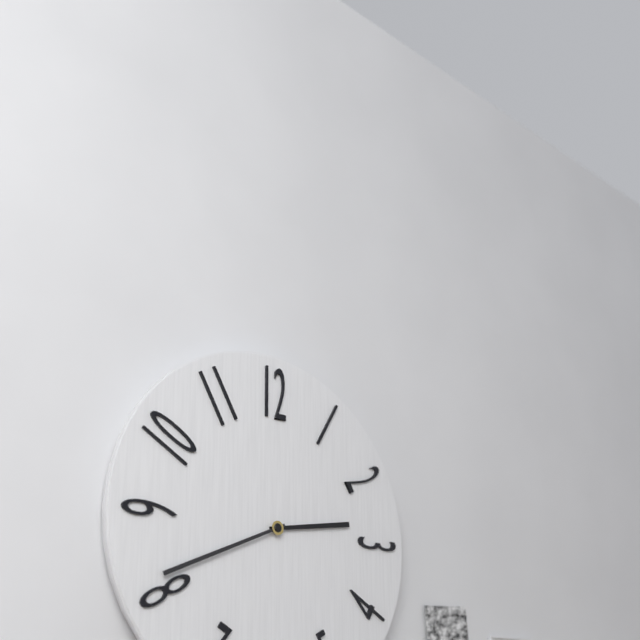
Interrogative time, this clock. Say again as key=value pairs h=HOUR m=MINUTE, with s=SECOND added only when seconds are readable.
h=2 m=41
